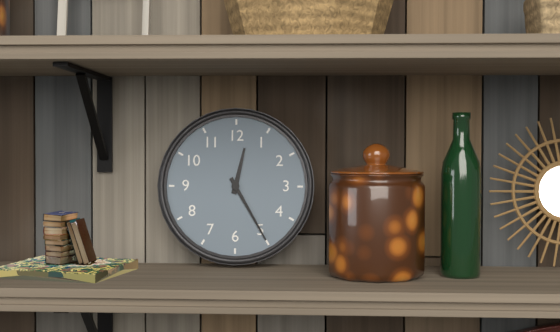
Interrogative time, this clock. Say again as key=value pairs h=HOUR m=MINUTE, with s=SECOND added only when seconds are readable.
h=12 m=25
